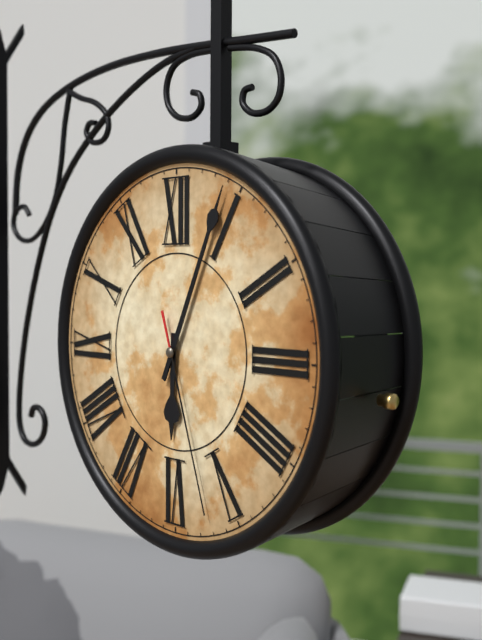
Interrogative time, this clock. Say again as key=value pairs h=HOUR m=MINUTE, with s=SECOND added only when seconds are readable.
h=6 m=4 s=27
